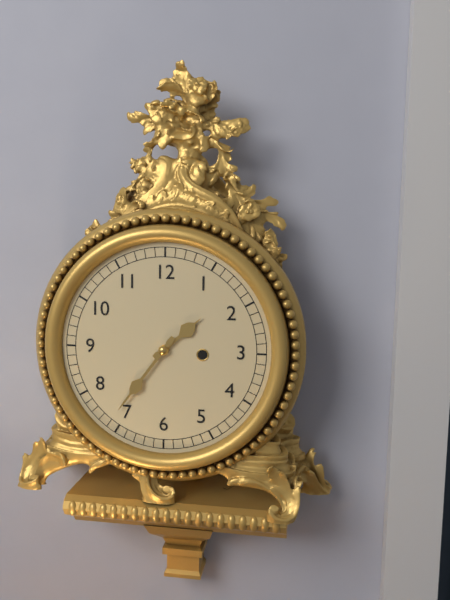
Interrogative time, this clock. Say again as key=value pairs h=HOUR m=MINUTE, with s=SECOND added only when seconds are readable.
h=1 m=36
